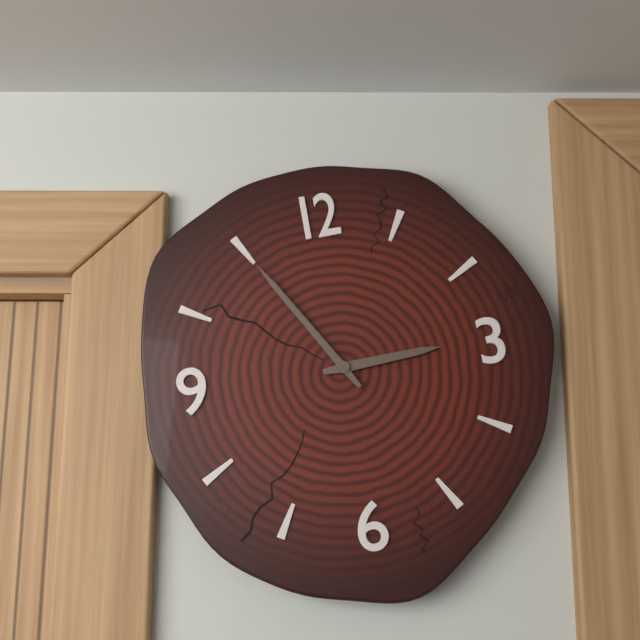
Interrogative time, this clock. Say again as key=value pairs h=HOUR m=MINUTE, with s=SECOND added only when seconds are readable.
h=2 m=55
